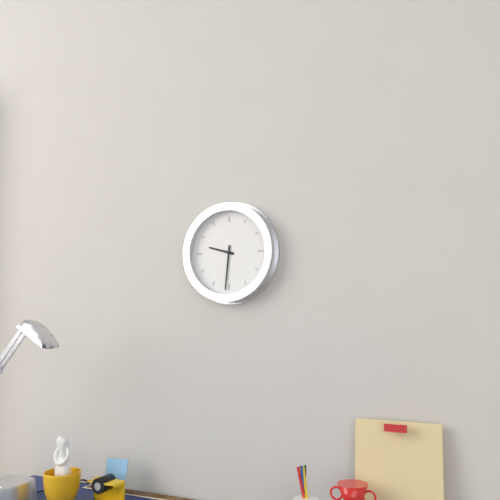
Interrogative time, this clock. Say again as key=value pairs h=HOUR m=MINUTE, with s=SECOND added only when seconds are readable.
h=9 m=31
